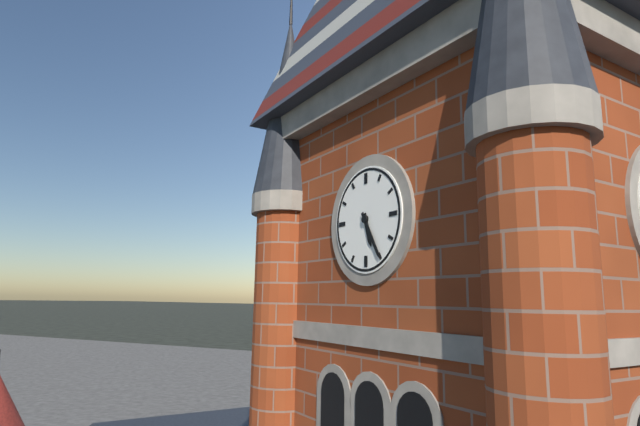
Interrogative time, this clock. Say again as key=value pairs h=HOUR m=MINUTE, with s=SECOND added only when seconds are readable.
h=5 m=25
